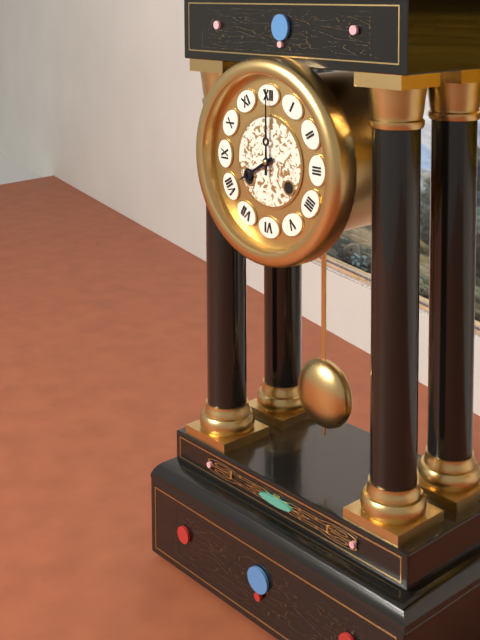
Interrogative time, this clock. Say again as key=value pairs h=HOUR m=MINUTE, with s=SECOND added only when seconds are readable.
h=8 m=0
